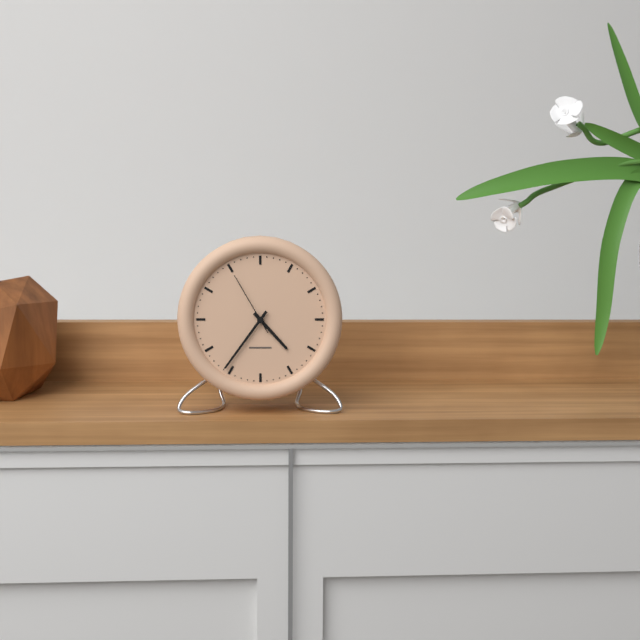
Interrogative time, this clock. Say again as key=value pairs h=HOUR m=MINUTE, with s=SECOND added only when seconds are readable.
h=4 m=36 s=55
